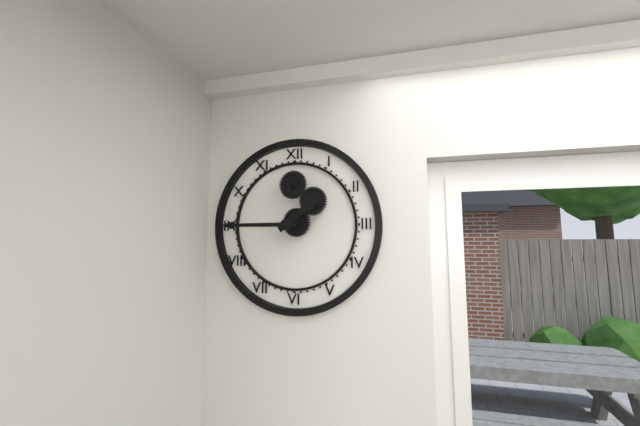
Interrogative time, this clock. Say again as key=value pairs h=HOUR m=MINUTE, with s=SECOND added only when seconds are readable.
h=1 m=45
